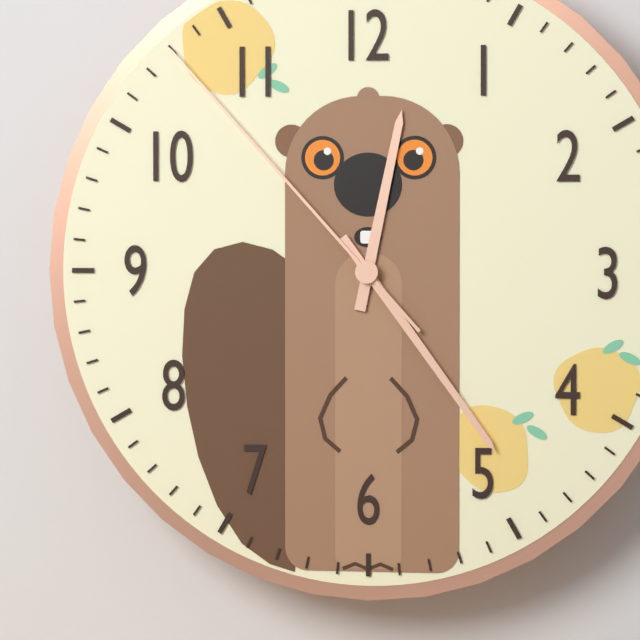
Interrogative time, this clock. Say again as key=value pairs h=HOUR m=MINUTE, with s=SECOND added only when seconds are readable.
h=12 m=24 s=53
